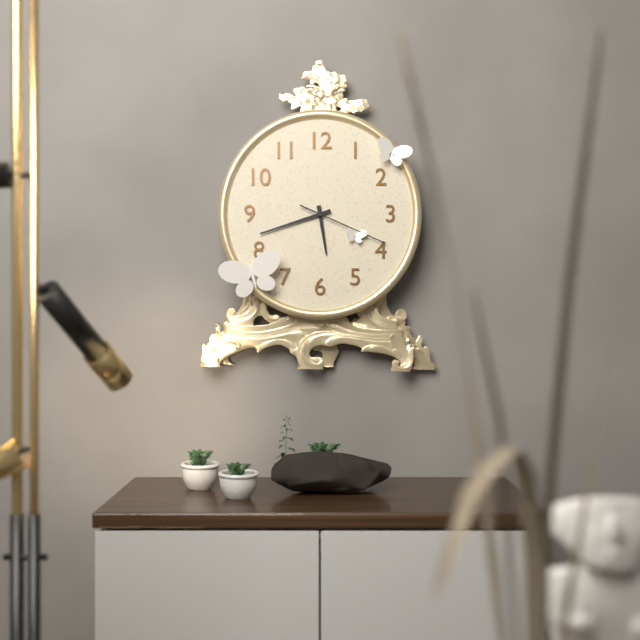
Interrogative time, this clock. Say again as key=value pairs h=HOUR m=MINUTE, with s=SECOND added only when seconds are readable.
h=5 m=42 s=19
